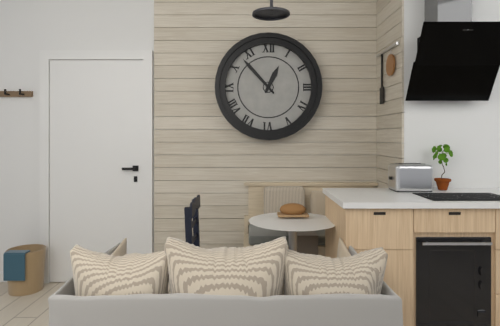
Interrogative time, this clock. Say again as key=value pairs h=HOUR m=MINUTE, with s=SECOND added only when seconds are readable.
h=12 m=53
